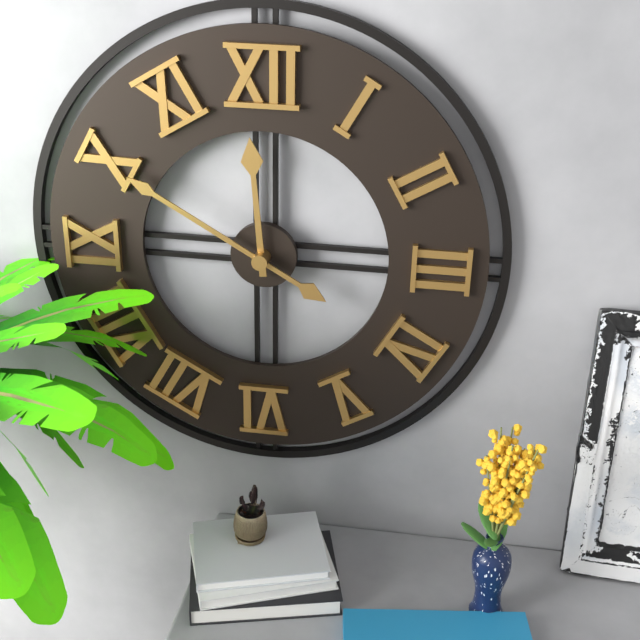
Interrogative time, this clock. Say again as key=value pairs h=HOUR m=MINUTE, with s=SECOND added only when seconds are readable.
h=11 m=50
